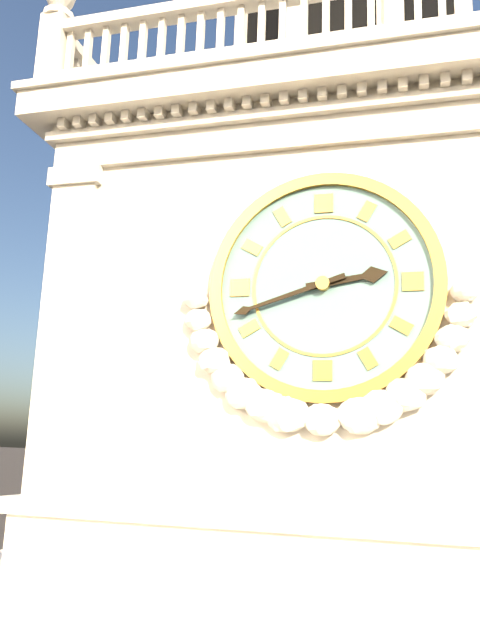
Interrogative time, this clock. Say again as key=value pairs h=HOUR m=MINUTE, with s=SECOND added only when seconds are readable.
h=2 m=42
